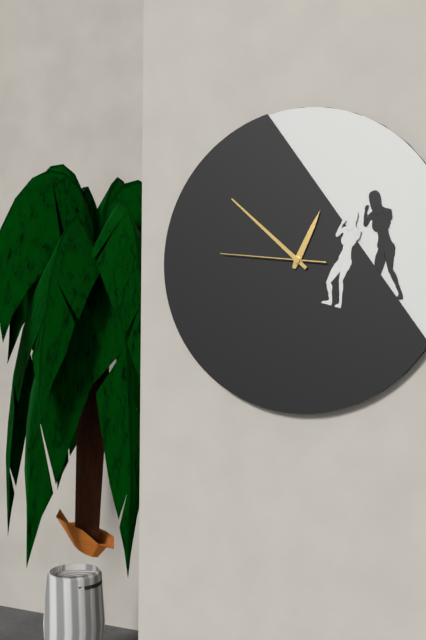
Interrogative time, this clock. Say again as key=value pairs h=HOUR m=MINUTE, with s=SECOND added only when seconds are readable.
h=12 m=52 s=46
